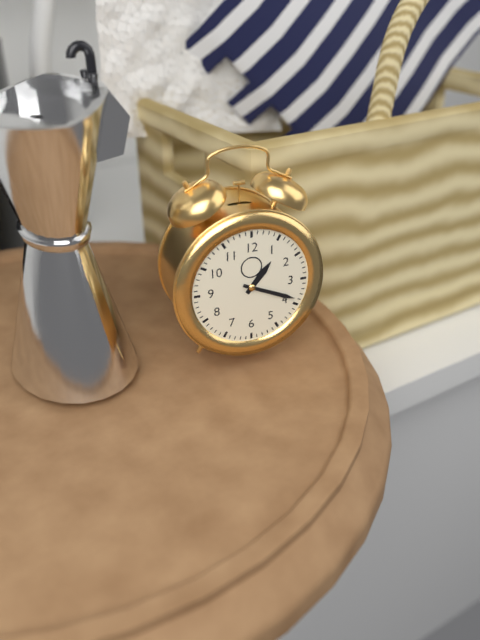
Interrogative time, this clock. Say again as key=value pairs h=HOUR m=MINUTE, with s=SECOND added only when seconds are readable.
h=1 m=19
